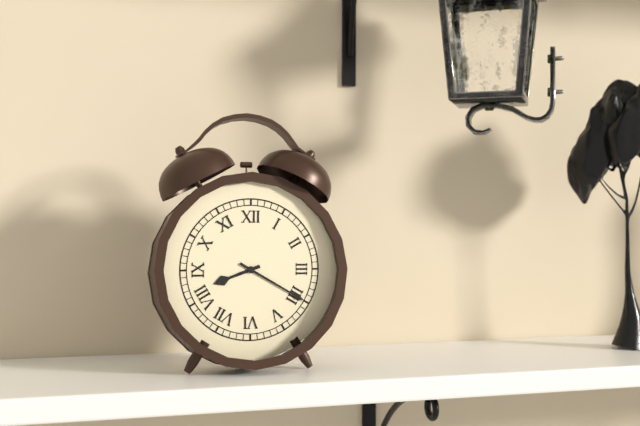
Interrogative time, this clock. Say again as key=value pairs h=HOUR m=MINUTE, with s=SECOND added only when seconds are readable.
h=8 m=20
